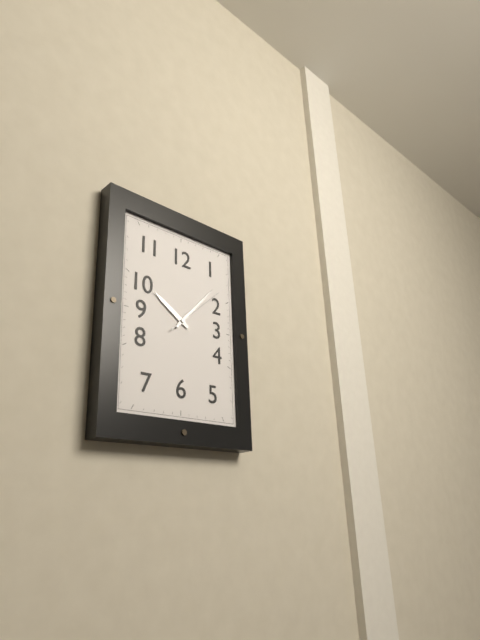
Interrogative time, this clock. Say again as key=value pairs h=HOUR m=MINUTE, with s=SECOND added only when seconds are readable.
h=10 m=7 s=8
